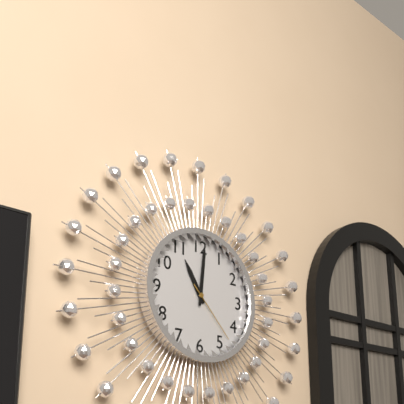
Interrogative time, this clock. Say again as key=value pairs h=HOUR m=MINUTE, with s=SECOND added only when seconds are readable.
h=11 m=1 s=23
